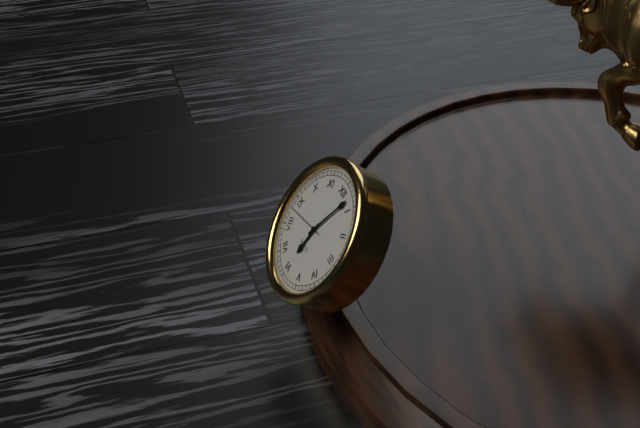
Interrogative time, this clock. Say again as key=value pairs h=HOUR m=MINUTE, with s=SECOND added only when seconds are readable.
h=6 m=3
